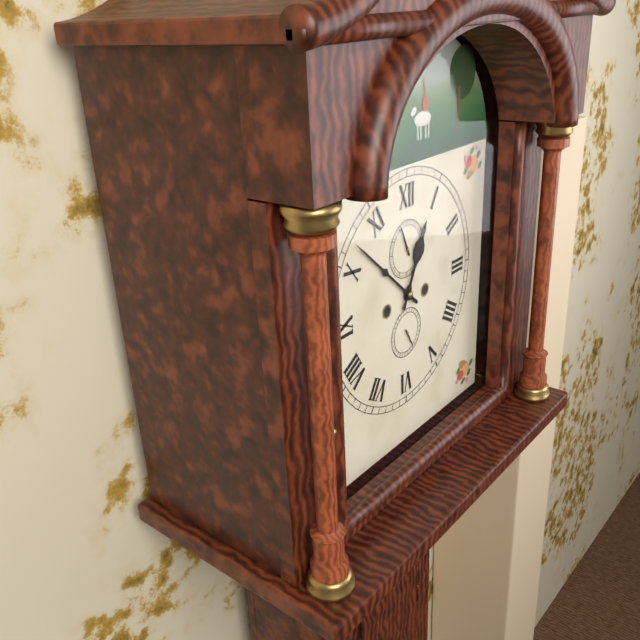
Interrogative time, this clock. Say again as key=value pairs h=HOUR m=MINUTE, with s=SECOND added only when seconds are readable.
h=12 m=52
